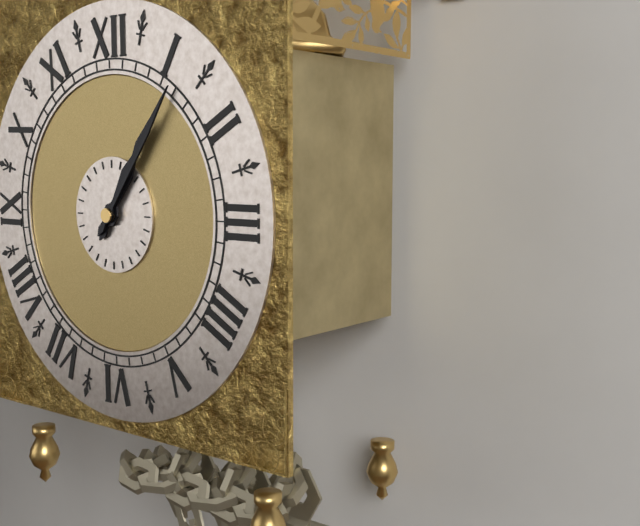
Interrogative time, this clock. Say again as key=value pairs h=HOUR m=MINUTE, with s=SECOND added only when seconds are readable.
h=1 m=6
